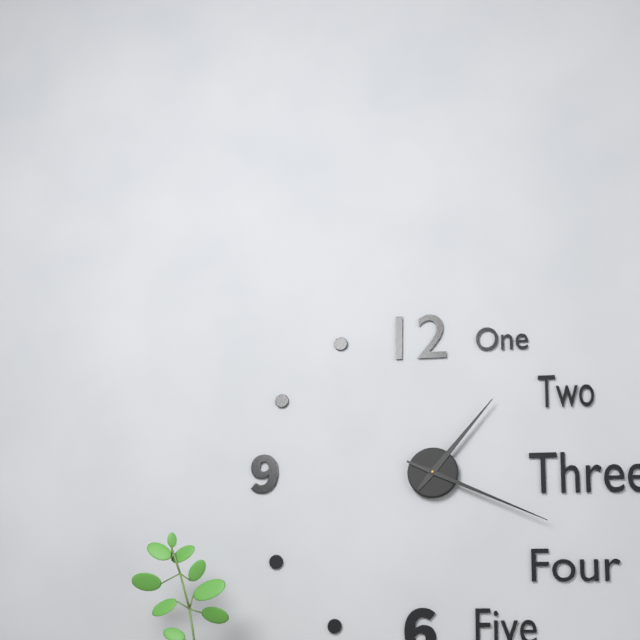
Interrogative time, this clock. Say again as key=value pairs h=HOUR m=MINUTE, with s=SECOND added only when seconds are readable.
h=1 m=19
